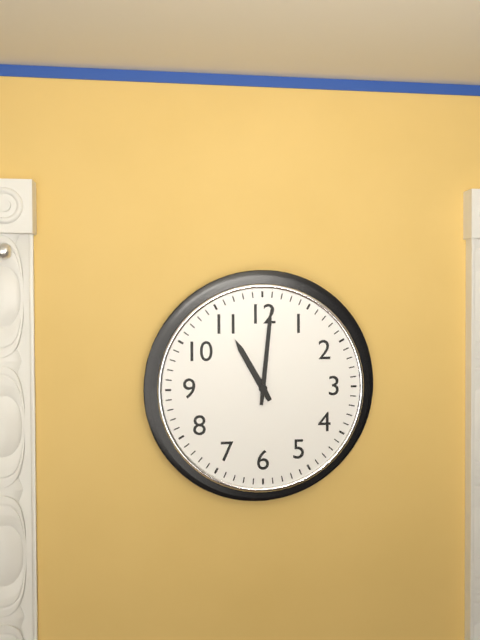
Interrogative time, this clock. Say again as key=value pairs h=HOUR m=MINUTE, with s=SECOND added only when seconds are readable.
h=11 m=1
